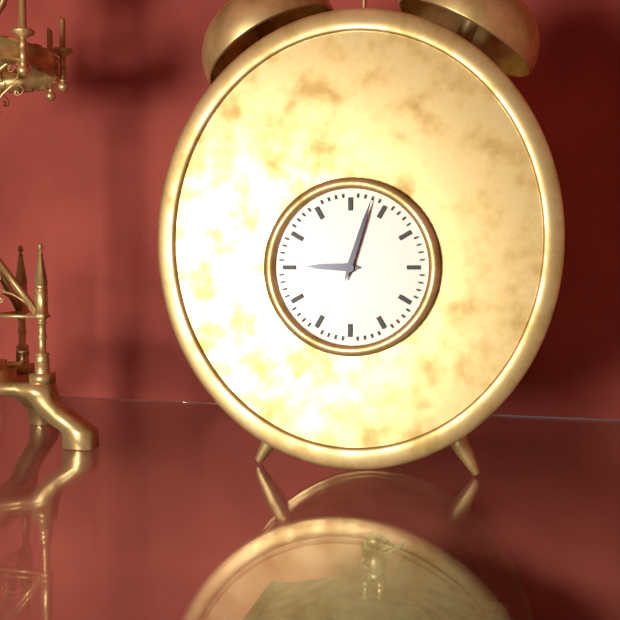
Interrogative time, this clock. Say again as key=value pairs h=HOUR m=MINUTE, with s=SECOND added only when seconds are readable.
h=9 m=3
